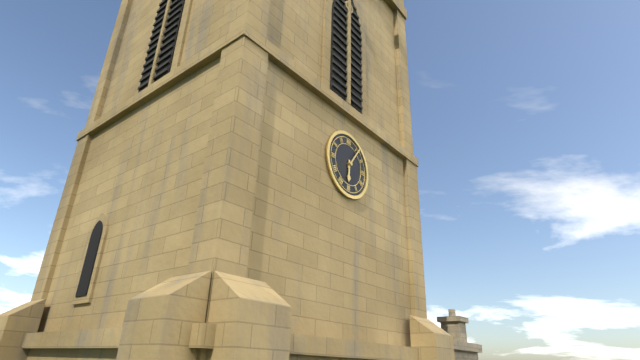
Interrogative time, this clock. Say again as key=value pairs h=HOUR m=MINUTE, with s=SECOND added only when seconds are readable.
h=6 m=6
